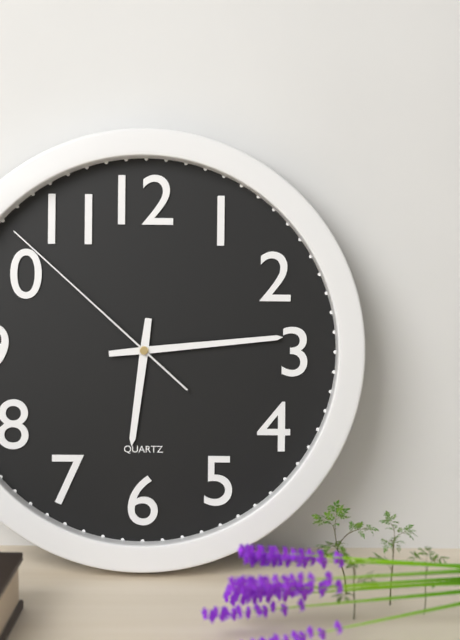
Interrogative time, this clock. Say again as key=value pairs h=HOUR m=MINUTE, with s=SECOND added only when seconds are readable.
h=6 m=14 s=52
